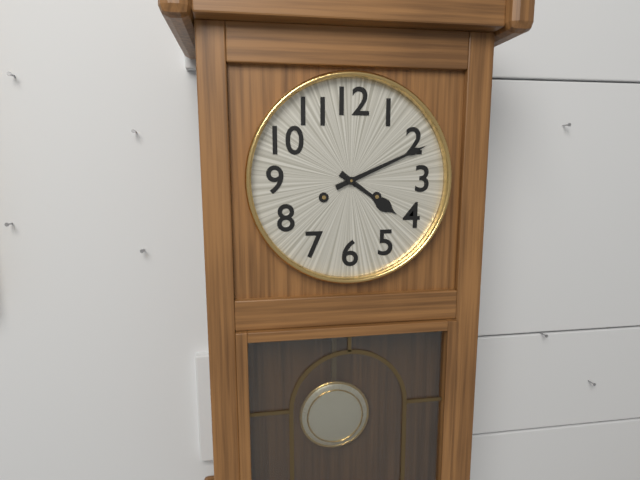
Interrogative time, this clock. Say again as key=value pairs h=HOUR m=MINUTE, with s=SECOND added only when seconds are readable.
h=4 m=11
